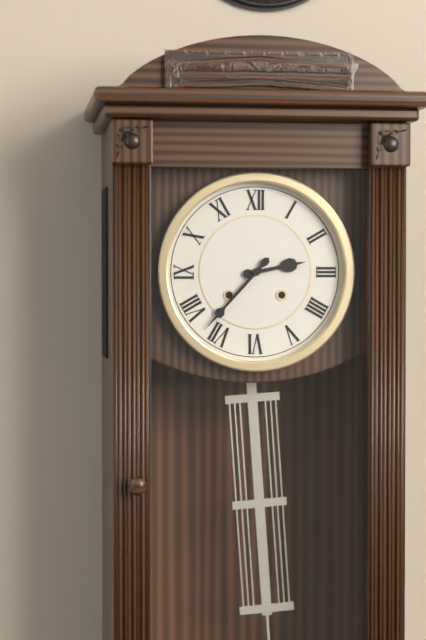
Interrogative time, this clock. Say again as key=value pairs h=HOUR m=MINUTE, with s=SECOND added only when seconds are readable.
h=2 m=37
